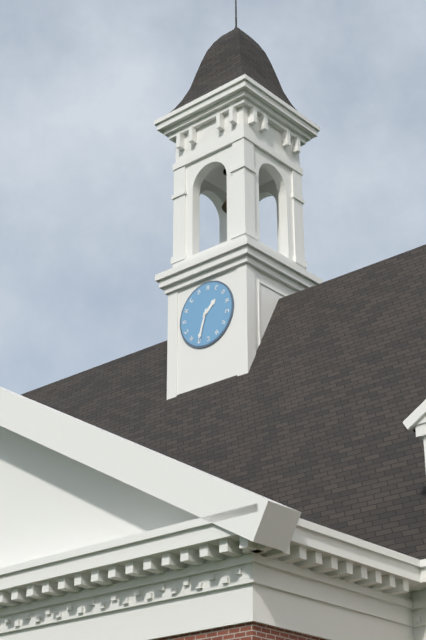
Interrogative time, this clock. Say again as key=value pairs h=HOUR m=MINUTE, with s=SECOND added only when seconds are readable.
h=1 m=33
